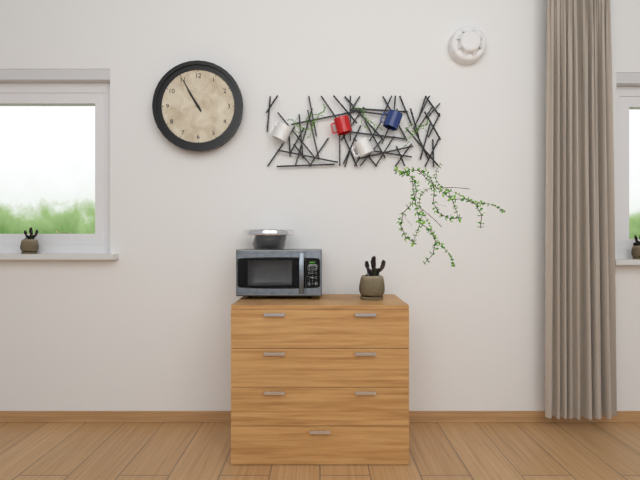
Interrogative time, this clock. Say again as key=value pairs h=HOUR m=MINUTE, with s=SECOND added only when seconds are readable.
h=10 m=55
